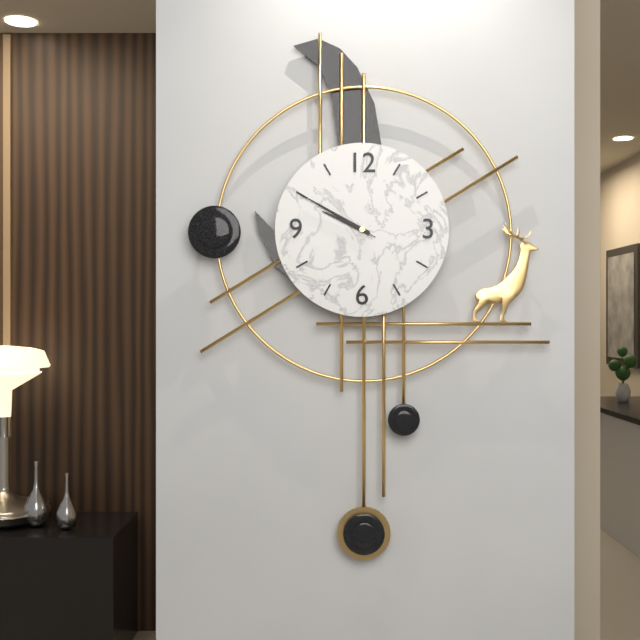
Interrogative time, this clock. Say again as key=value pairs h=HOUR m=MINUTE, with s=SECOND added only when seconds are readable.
h=9 m=50 s=50
